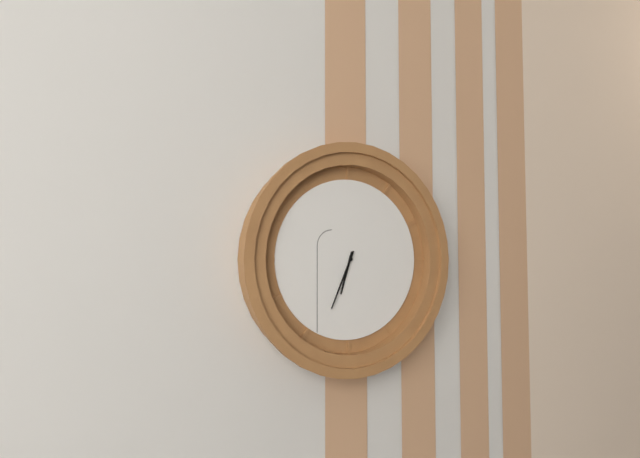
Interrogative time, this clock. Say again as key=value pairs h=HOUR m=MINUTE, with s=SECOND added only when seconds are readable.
h=6 m=34
